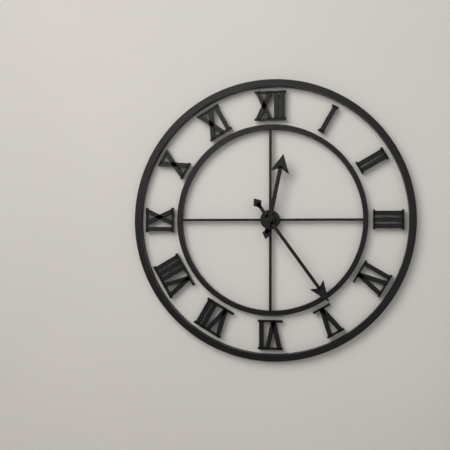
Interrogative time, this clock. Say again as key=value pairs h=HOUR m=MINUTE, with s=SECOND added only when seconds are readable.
h=12 m=24
